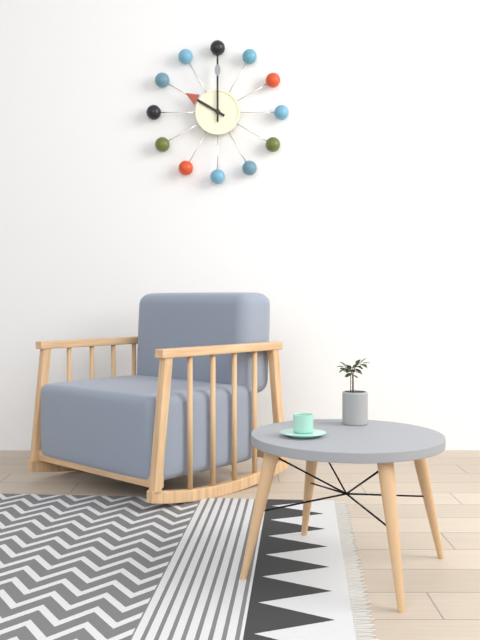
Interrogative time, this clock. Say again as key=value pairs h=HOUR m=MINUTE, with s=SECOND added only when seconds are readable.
h=10 m=0
